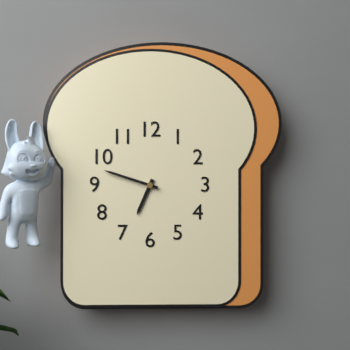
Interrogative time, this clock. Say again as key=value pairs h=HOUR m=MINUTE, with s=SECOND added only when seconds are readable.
h=6 m=48
